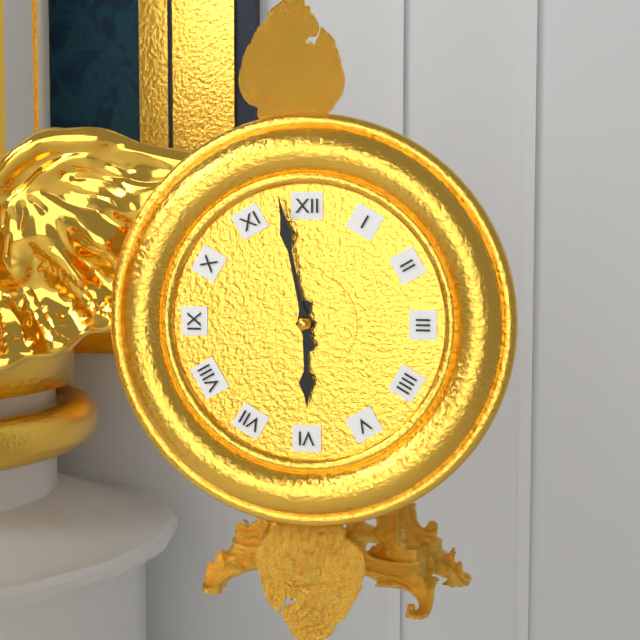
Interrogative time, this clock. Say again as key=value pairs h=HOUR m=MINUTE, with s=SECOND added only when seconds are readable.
h=5 m=58
